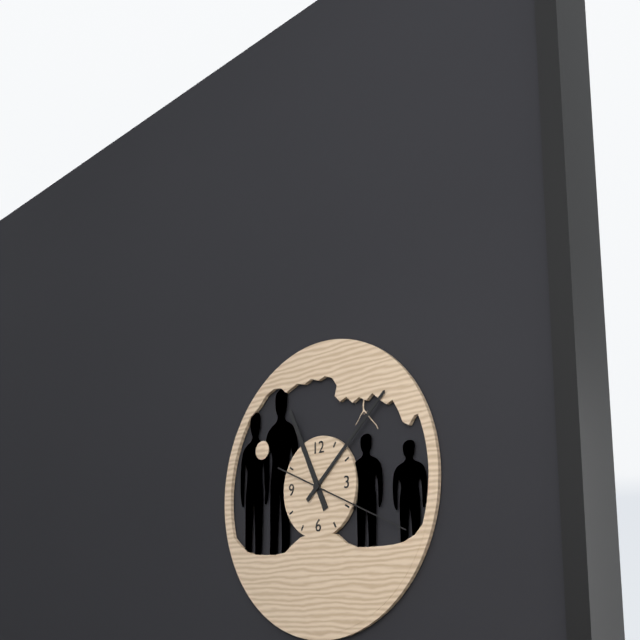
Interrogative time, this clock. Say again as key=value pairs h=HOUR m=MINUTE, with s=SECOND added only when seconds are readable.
h=11 m=8 s=19
